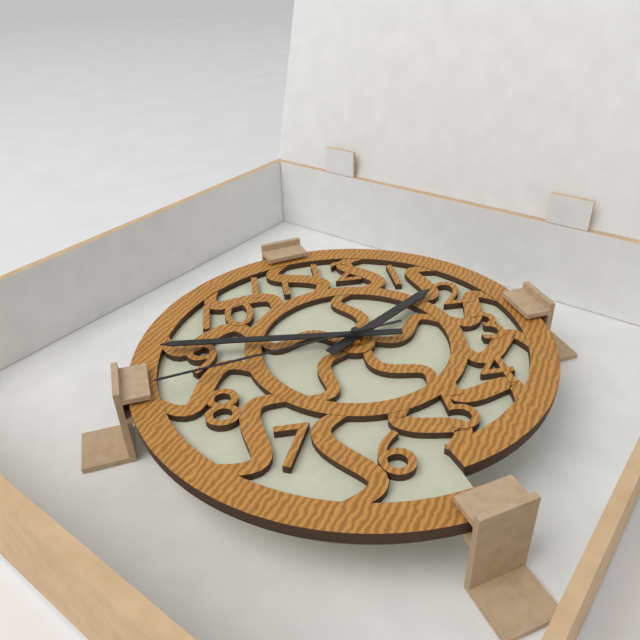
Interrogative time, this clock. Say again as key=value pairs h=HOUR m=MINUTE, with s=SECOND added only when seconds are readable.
h=1 m=46 s=43
